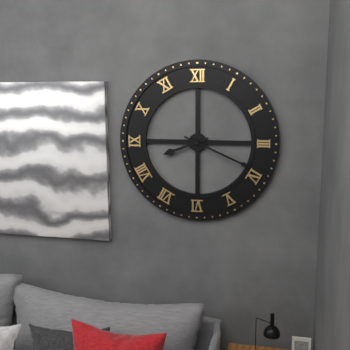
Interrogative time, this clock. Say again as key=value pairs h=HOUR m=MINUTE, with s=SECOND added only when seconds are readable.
h=8 m=19
